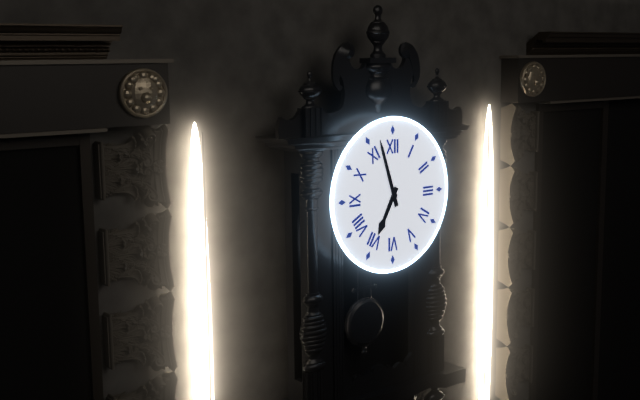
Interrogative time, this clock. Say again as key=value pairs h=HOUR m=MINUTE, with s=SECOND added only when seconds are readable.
h=6 m=57
